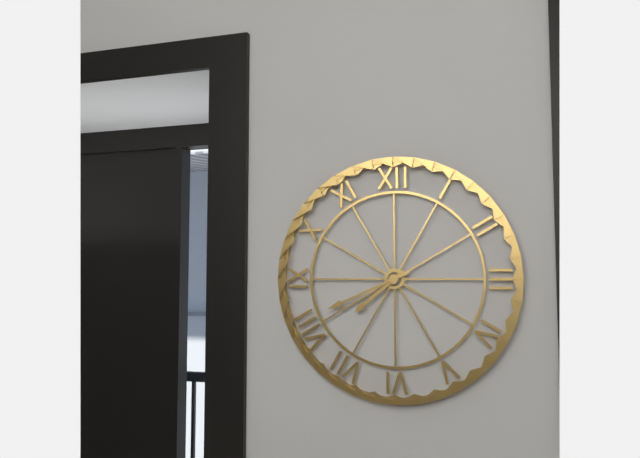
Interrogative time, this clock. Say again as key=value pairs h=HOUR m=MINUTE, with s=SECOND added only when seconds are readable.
h=7 m=41
